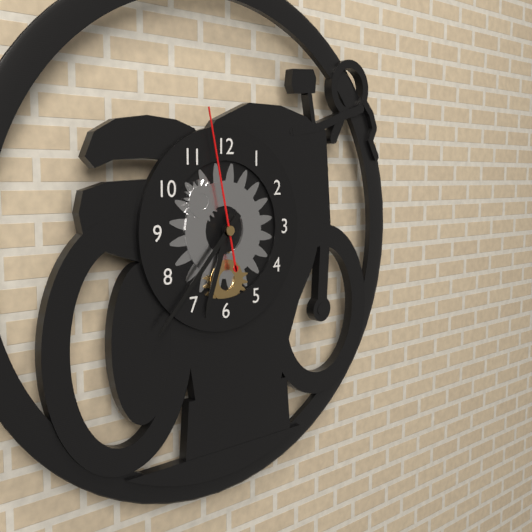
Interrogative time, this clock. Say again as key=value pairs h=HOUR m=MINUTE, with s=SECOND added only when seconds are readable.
h=6 m=37 s=58
